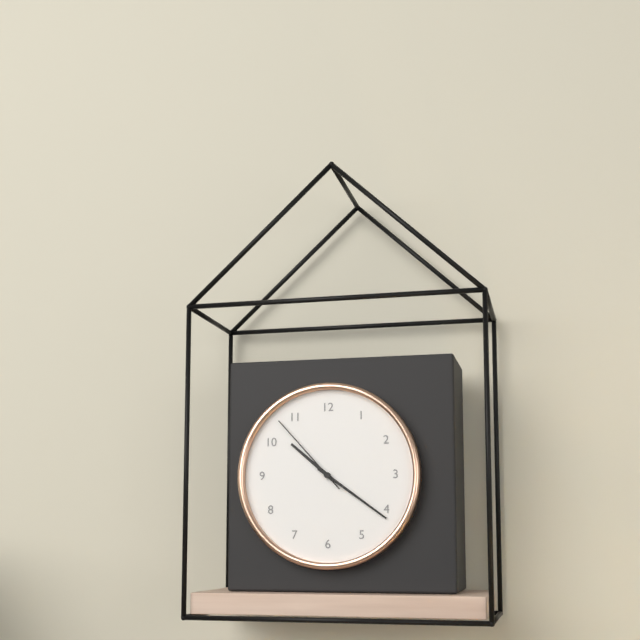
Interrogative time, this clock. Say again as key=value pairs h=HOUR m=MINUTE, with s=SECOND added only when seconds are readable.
h=10 m=21 s=53
